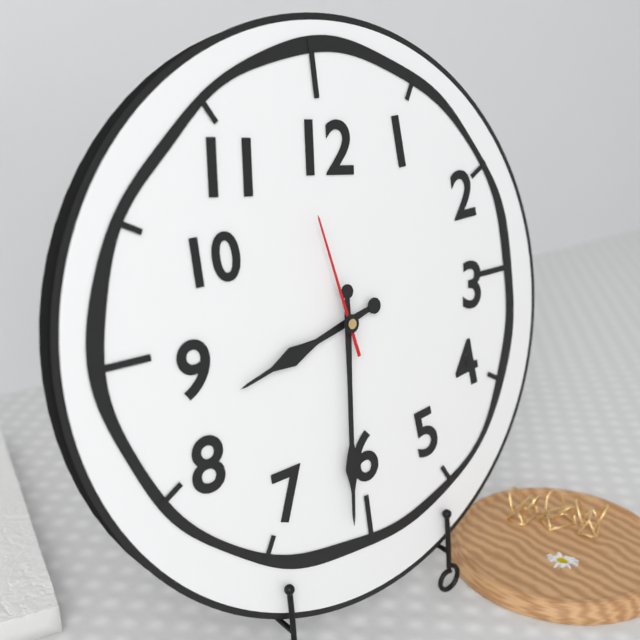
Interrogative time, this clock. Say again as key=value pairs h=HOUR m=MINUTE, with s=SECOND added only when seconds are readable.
h=8 m=31 s=58
